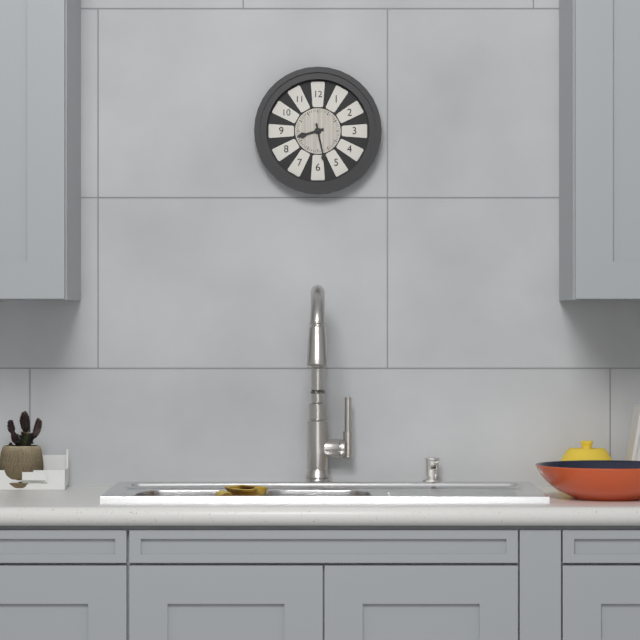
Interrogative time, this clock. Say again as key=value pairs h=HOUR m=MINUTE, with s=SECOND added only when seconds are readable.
h=8 m=28
